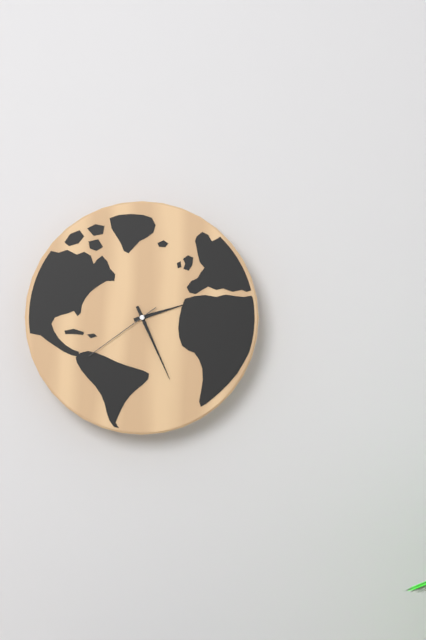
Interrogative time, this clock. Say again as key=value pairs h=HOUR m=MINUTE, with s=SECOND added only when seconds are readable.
h=2 m=26 s=39
